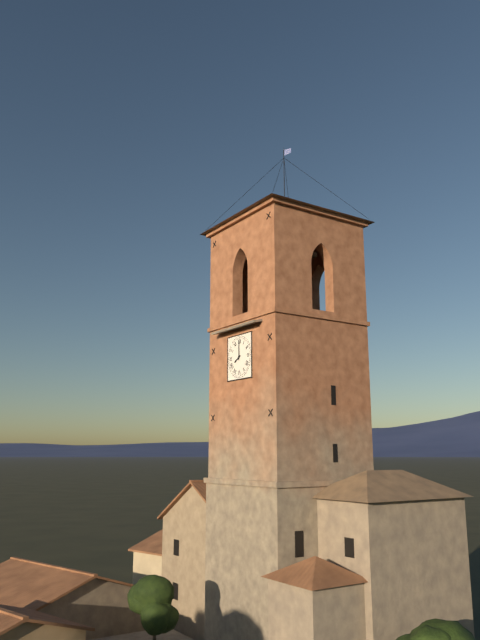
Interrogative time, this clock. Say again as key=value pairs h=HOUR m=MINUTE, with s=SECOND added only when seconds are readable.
h=8 m=0
